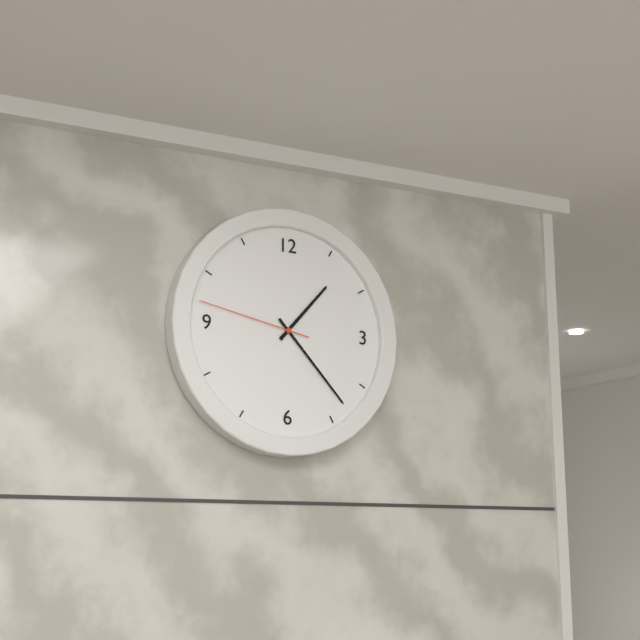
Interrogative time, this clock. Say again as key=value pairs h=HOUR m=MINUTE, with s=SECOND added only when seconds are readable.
h=1 m=23 s=47
